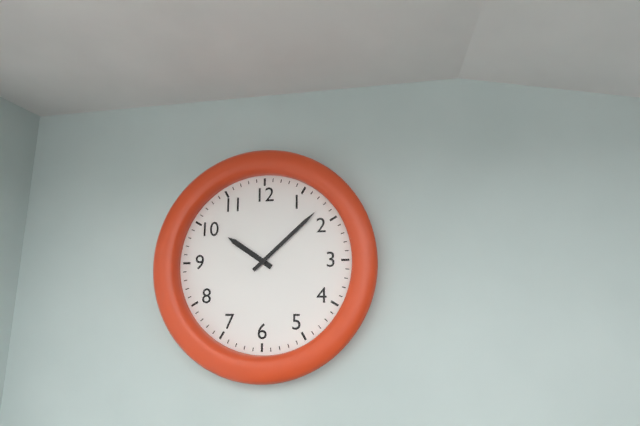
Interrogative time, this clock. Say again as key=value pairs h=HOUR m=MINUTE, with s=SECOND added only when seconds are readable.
h=10 m=8
